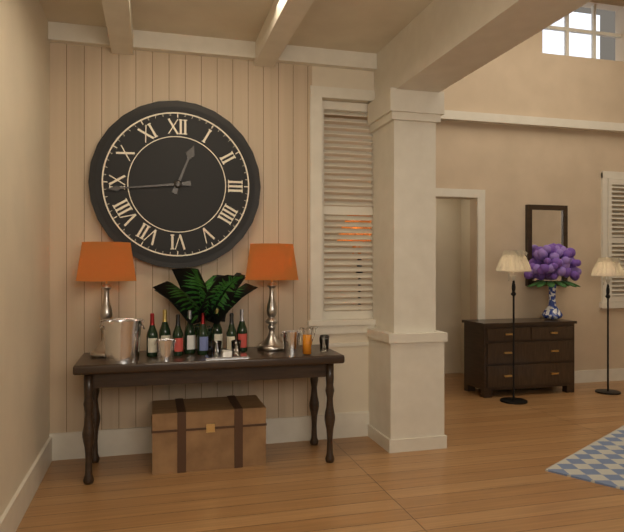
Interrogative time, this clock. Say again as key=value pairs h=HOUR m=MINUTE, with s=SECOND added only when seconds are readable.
h=12 m=44
